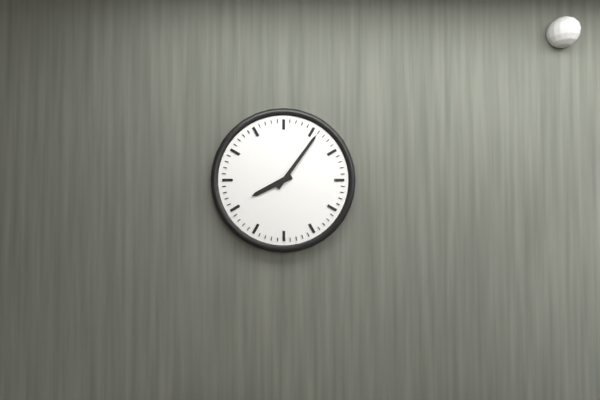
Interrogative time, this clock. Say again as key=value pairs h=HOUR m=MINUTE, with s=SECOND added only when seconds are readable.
h=8 m=6
